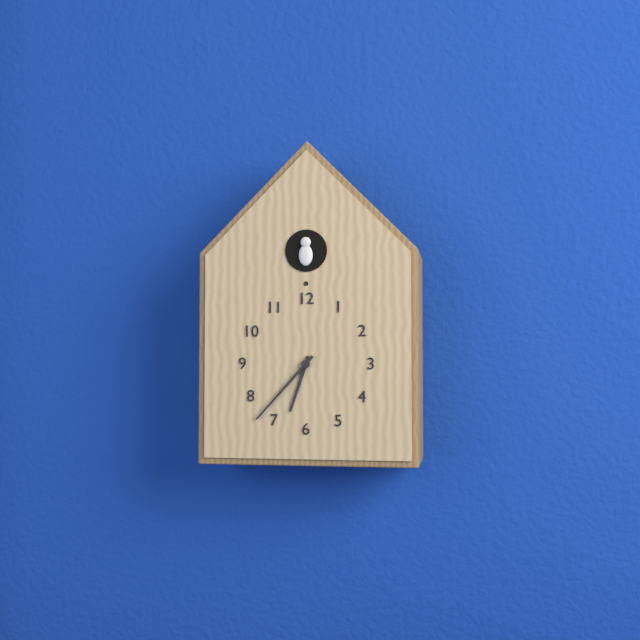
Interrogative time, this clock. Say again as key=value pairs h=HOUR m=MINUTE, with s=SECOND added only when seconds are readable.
h=6 m=37
